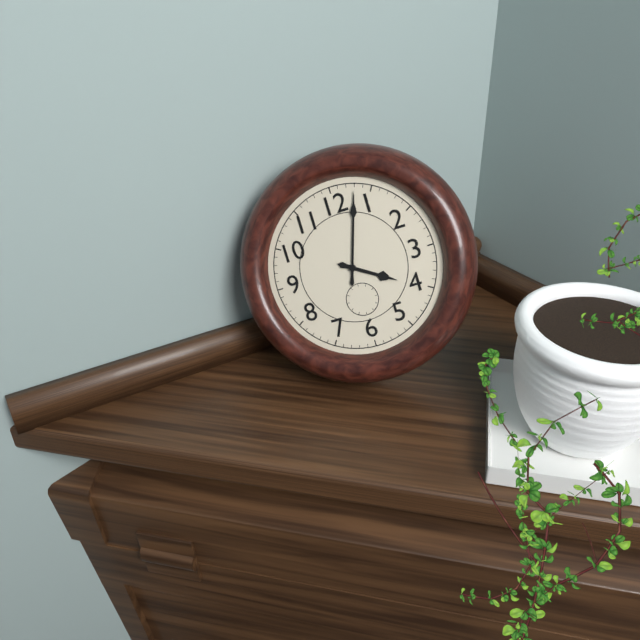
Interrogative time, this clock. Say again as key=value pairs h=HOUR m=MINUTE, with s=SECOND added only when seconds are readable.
h=4 m=3
